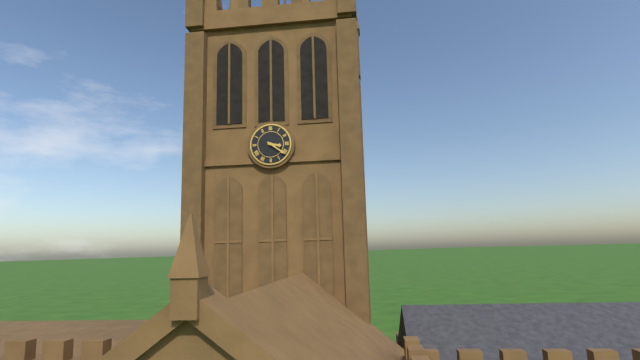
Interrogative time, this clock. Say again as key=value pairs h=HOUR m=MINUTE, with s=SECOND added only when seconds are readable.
h=3 m=21
